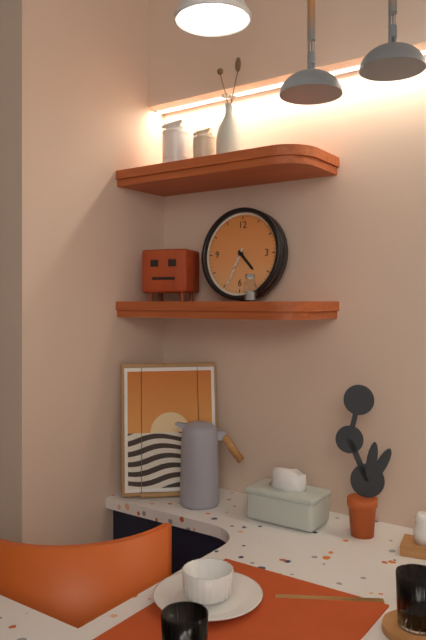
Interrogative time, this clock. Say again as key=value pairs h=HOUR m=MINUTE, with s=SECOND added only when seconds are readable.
h=4 m=34
